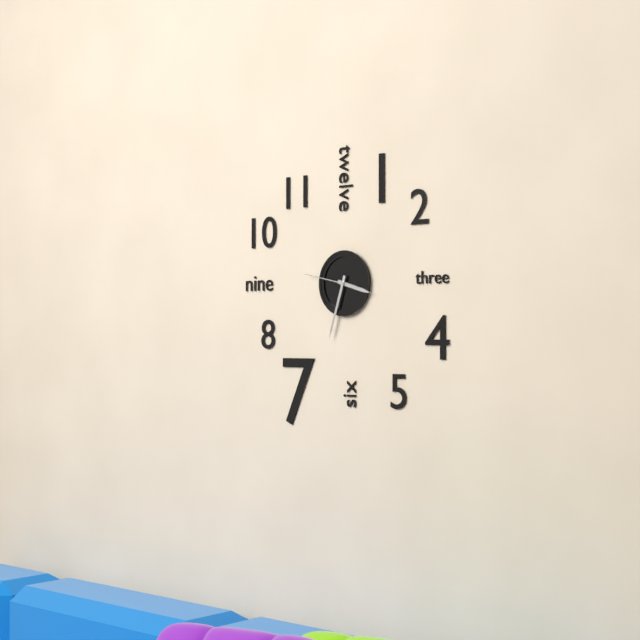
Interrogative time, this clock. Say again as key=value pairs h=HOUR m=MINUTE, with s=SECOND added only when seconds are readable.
h=3 m=33 s=47
